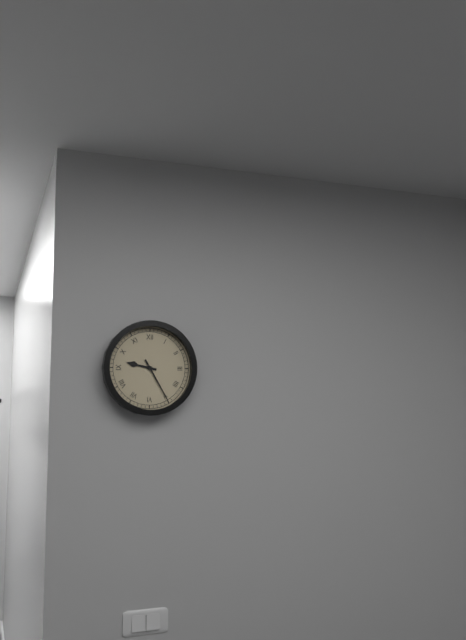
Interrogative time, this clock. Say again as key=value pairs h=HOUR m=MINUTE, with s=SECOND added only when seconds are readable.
h=9 m=25
